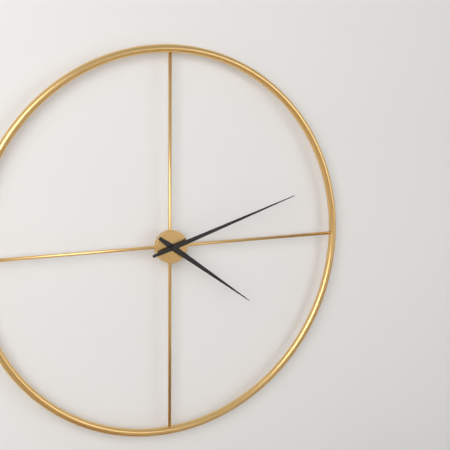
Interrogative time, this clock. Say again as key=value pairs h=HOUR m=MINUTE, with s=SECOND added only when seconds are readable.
h=4 m=12
